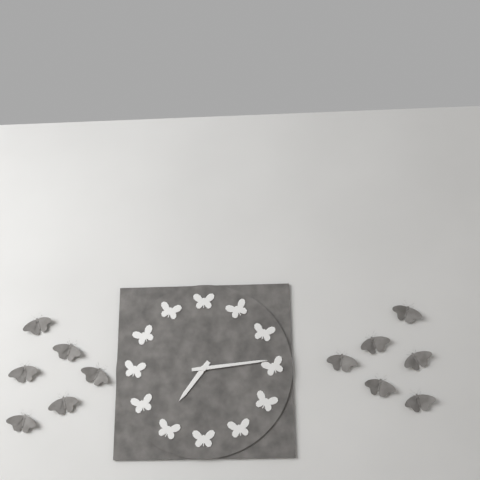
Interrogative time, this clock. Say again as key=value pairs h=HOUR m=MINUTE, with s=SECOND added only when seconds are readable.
h=7 m=14
